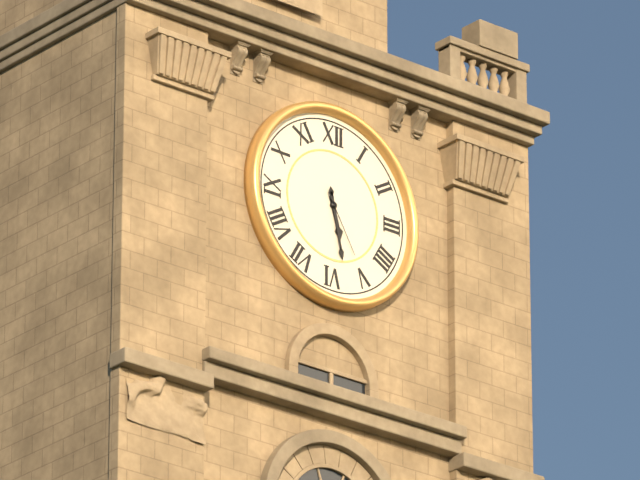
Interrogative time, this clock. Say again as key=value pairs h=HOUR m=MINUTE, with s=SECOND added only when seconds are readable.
h=5 m=28 s=25
